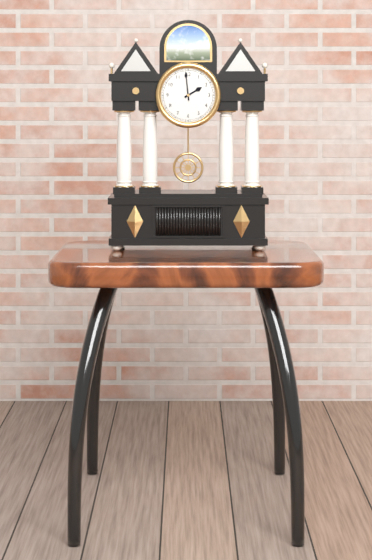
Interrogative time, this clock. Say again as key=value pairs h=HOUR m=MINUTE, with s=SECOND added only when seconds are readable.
h=1 m=59
